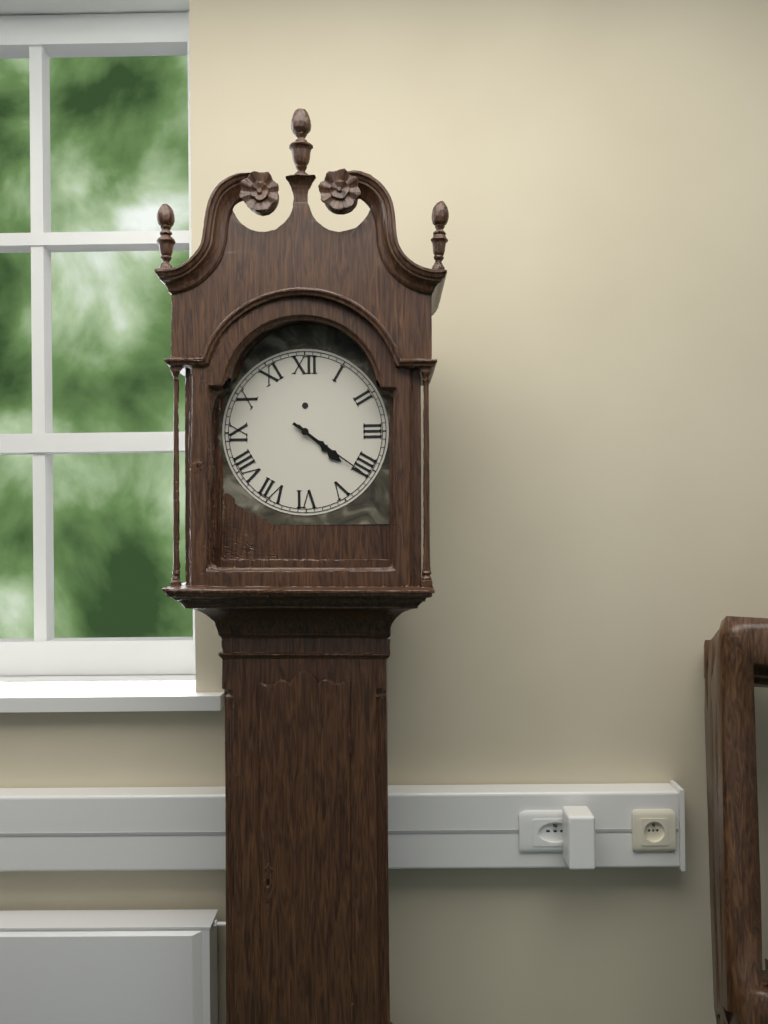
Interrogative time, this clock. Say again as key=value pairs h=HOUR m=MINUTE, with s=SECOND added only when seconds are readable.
h=4 m=21
